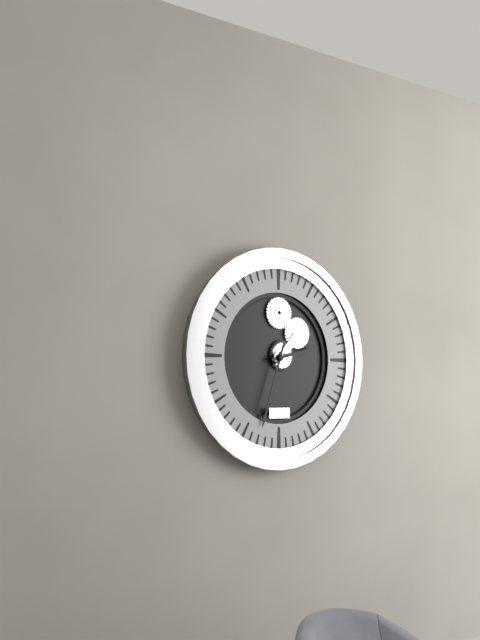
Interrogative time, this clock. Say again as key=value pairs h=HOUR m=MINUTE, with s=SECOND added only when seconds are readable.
h=2 m=33
